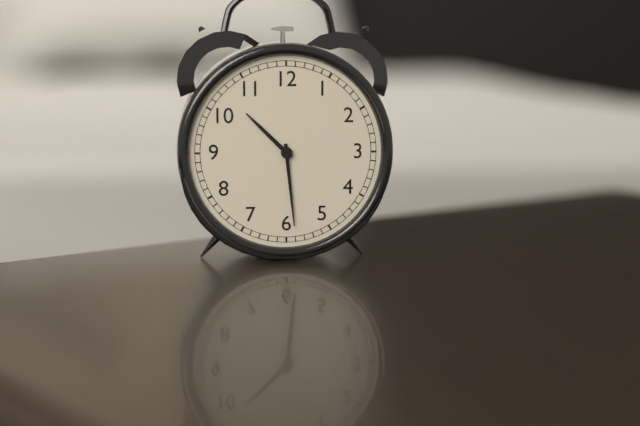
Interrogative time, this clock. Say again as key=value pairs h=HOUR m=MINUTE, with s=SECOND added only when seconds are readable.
h=10 m=29
